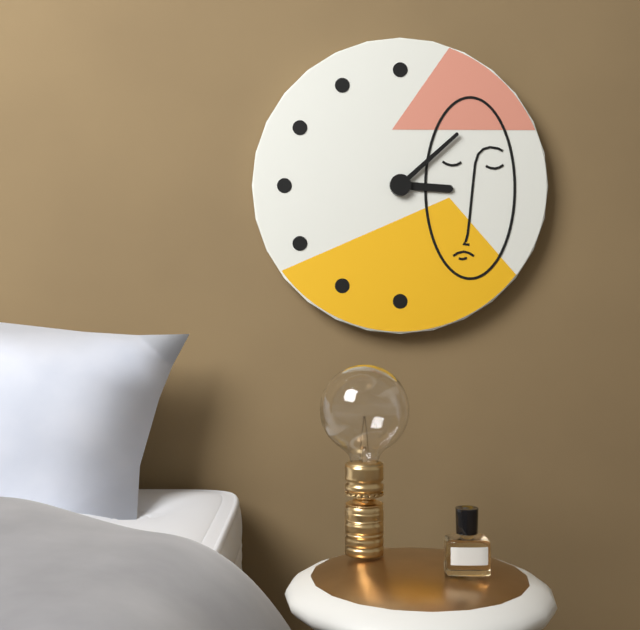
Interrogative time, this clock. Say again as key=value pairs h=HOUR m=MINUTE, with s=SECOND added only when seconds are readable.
h=3 m=8
